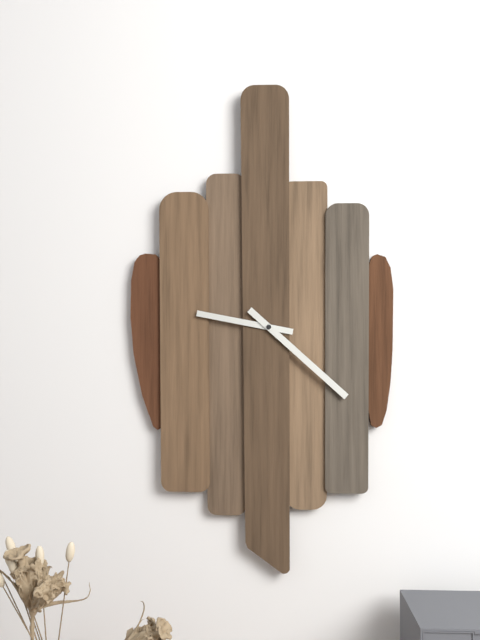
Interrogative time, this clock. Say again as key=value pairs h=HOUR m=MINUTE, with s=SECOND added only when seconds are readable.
h=9 m=22
